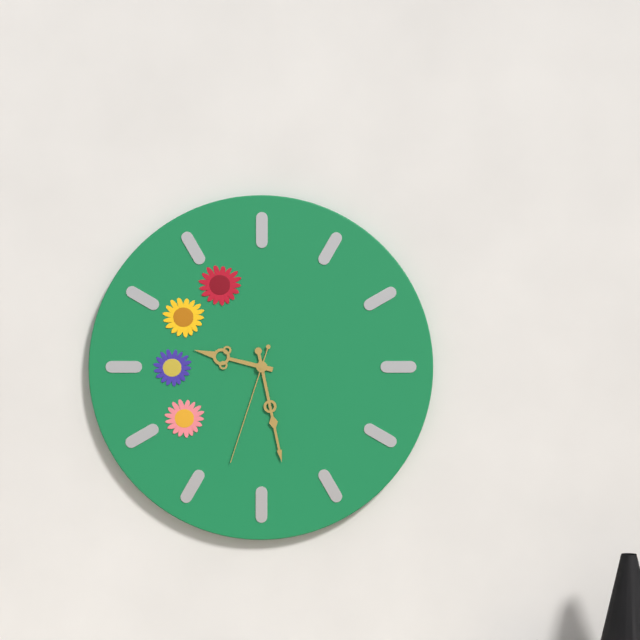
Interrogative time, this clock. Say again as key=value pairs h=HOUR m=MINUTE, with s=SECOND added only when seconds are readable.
h=9 m=28 s=33
